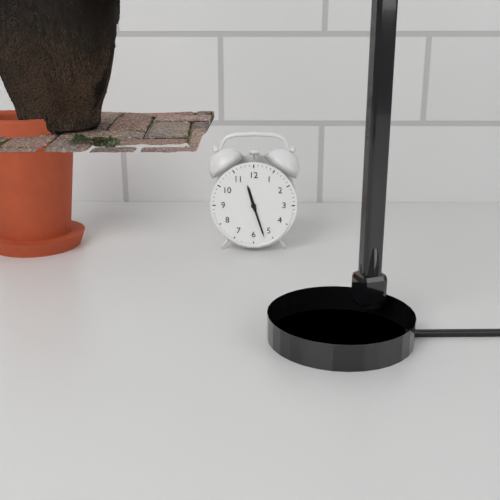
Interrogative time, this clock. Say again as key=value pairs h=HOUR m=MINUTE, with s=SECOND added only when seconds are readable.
h=11 m=27
